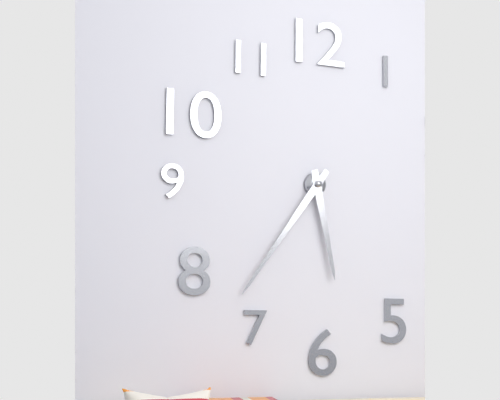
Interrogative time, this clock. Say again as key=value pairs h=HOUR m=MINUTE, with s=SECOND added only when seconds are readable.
h=5 m=36
